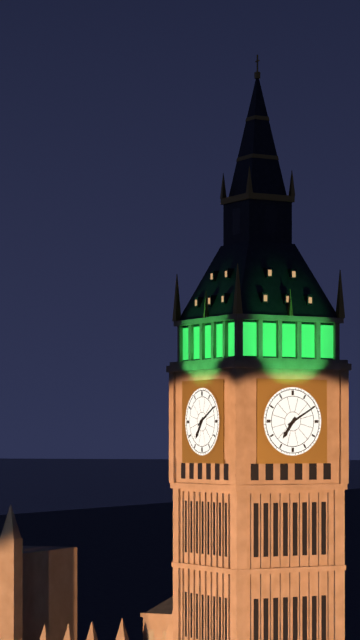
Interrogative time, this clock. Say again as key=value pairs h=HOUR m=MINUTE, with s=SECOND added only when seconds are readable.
h=7 m=10
